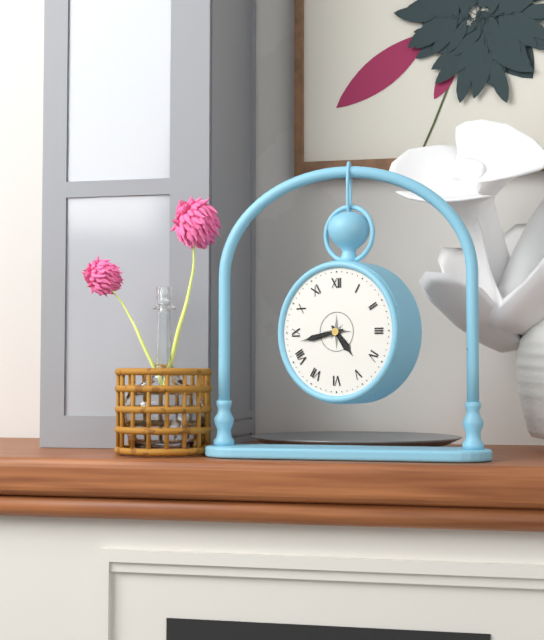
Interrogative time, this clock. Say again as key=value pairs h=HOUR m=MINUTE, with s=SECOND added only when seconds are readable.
h=4 m=43
